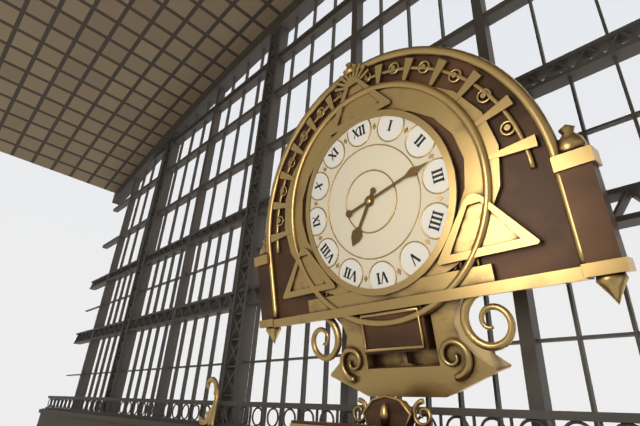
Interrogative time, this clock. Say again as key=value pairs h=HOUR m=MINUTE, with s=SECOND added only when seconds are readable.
h=7 m=13
